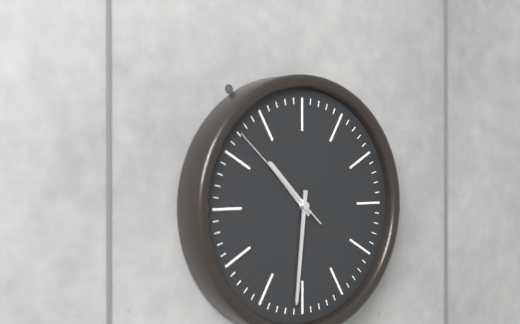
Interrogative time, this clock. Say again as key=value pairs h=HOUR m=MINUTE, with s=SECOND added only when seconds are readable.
h=10 m=31 s=52
